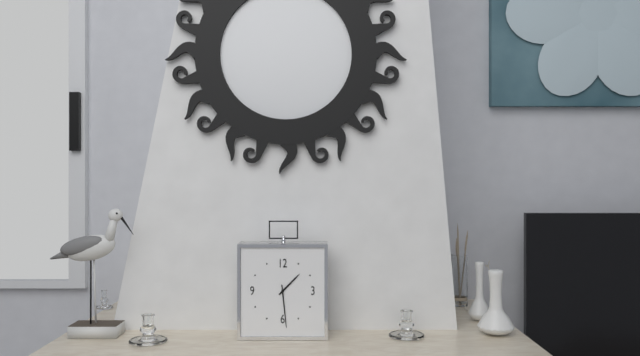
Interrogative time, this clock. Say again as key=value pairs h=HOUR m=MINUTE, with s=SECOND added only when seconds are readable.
h=1 m=29
